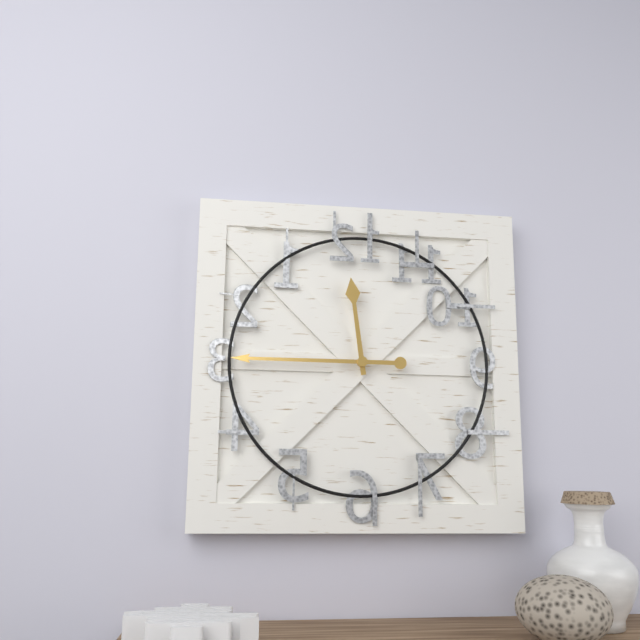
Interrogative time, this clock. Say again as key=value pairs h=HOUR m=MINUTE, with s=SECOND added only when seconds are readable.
h=11 m=45
